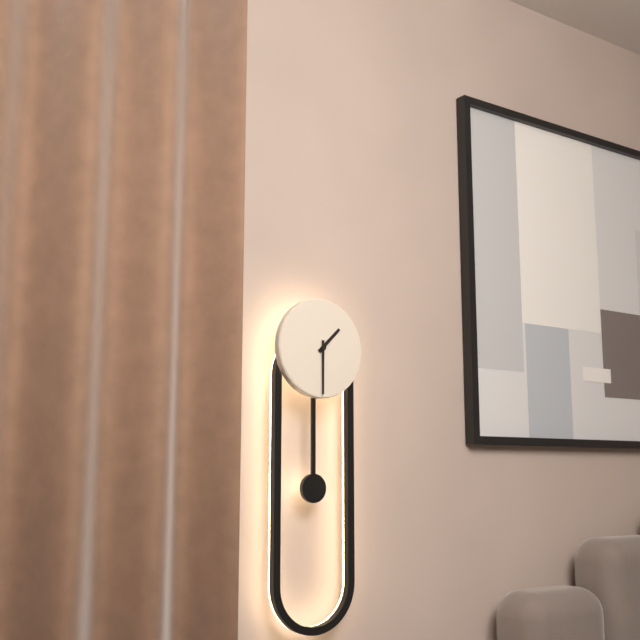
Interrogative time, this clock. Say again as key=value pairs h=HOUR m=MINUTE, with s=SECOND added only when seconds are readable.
h=1 m=30
